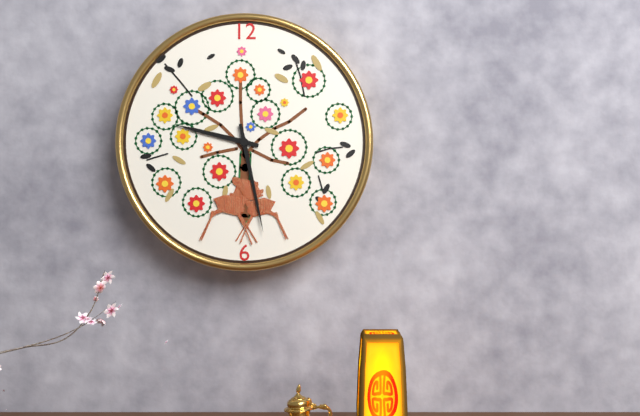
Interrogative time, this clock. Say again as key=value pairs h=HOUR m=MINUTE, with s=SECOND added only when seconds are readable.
h=9 m=28
